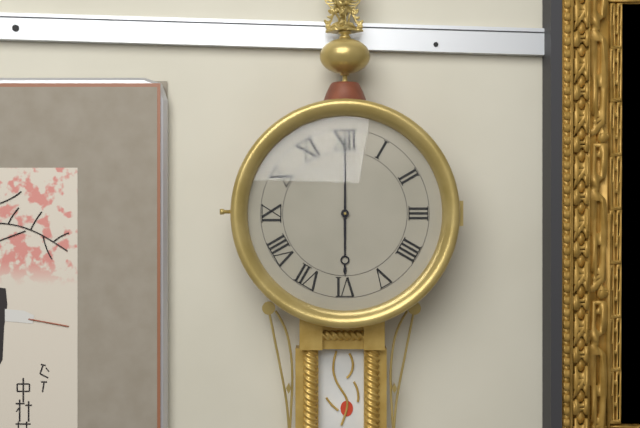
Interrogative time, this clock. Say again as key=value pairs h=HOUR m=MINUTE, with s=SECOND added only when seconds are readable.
h=6 m=0
